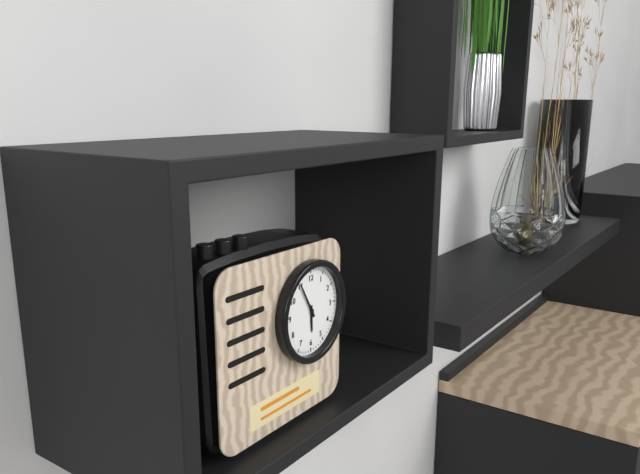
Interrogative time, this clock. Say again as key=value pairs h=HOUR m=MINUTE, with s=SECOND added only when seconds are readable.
h=5 m=55
